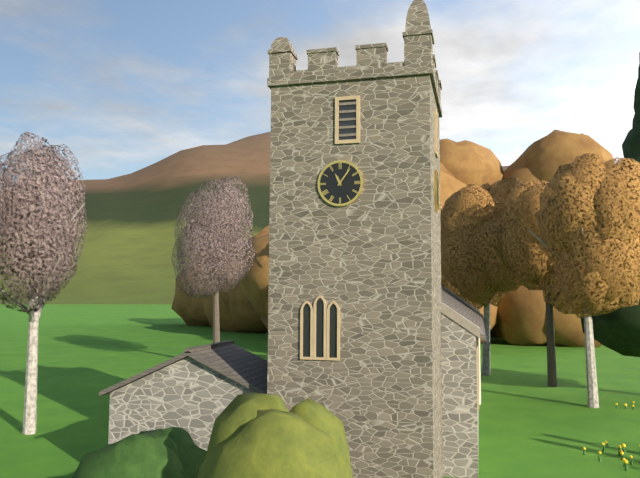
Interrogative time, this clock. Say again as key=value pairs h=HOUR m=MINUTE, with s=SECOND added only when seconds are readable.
h=11 m=6
